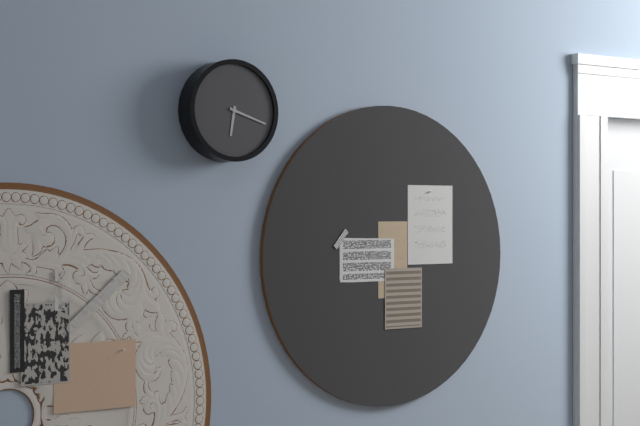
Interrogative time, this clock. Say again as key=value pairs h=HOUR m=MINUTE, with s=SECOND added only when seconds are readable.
h=6 m=18
